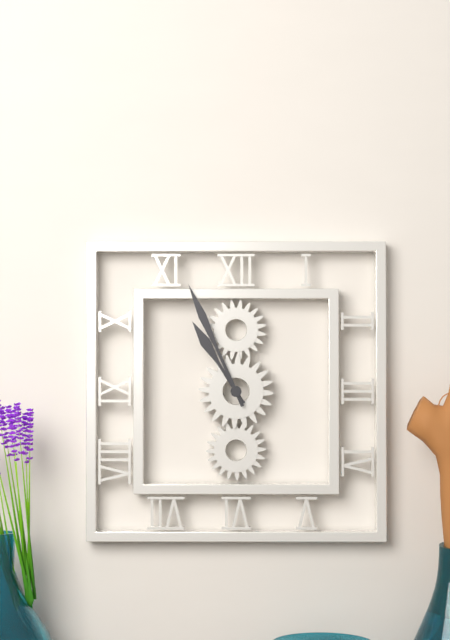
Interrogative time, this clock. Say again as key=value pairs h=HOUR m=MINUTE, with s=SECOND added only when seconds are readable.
h=10 m=56
